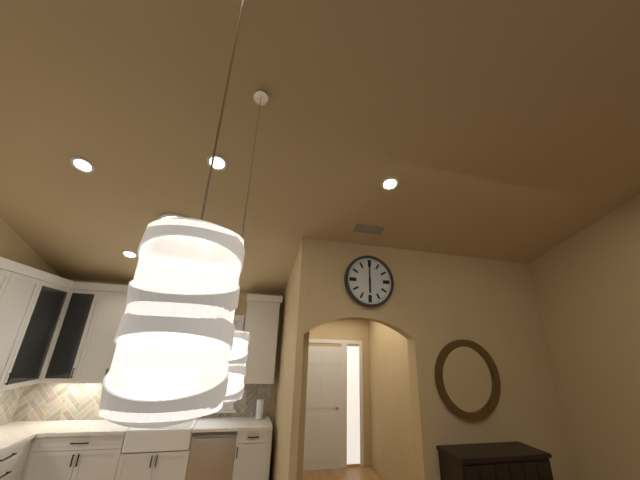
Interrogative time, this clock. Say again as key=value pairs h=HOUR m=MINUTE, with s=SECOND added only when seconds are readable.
h=6 m=0
